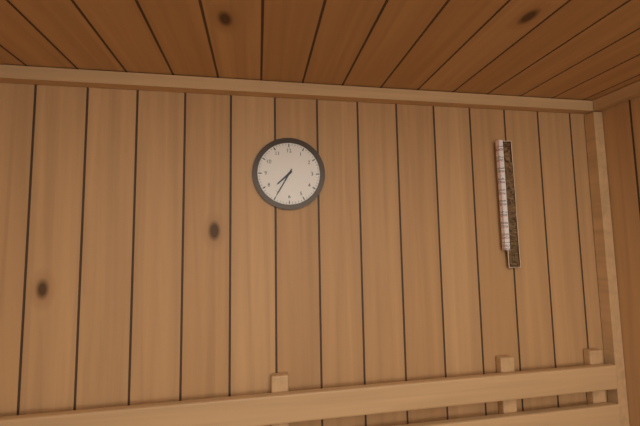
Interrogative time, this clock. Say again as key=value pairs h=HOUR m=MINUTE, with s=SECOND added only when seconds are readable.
h=7 m=35
